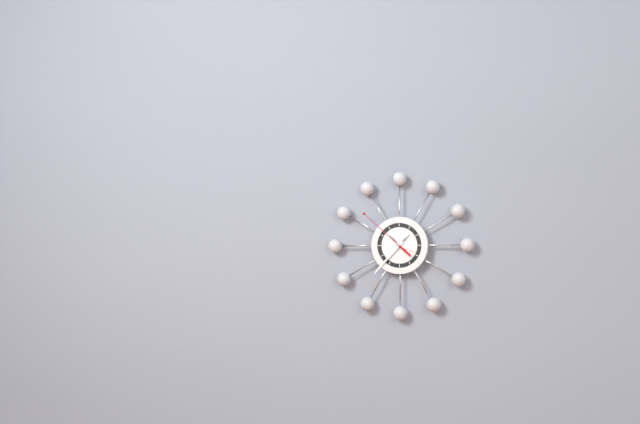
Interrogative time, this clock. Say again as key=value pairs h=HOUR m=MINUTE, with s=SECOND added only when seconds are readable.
h=3 m=37 s=52
